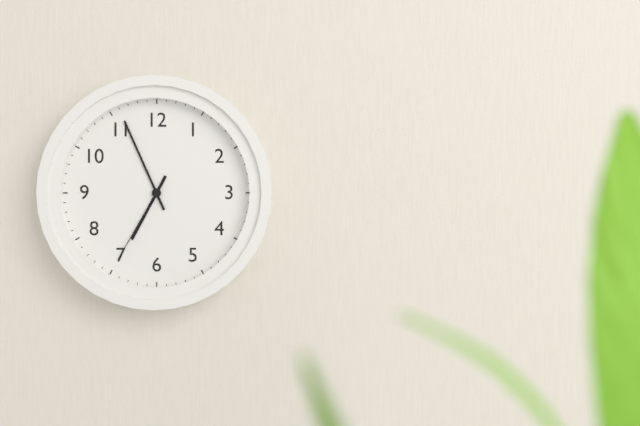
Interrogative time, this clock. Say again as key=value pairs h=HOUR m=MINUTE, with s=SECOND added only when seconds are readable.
h=6 m=56 s=35
